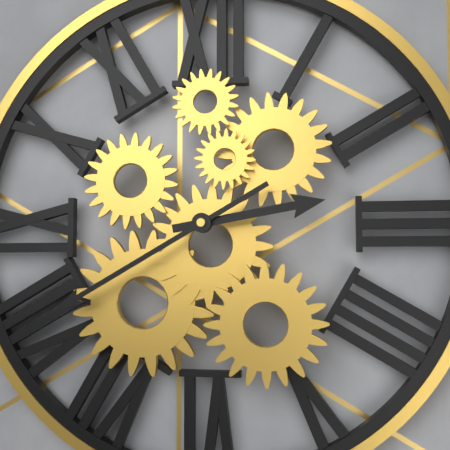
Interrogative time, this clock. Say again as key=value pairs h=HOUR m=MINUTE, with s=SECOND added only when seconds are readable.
h=2 m=40
